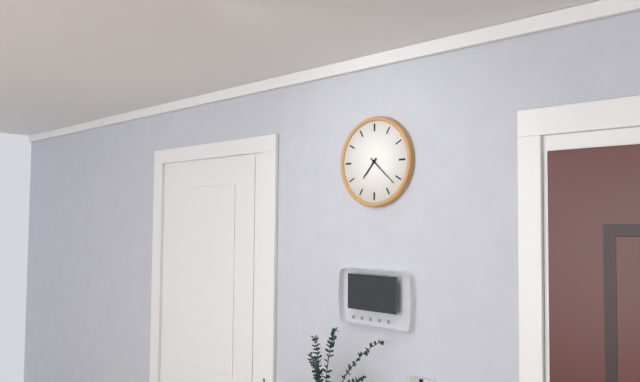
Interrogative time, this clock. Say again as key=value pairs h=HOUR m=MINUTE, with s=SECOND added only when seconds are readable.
h=7 m=22
